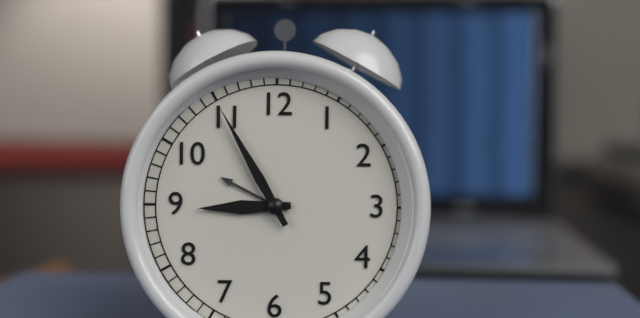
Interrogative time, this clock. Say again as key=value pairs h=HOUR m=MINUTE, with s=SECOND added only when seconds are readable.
h=8 m=55
